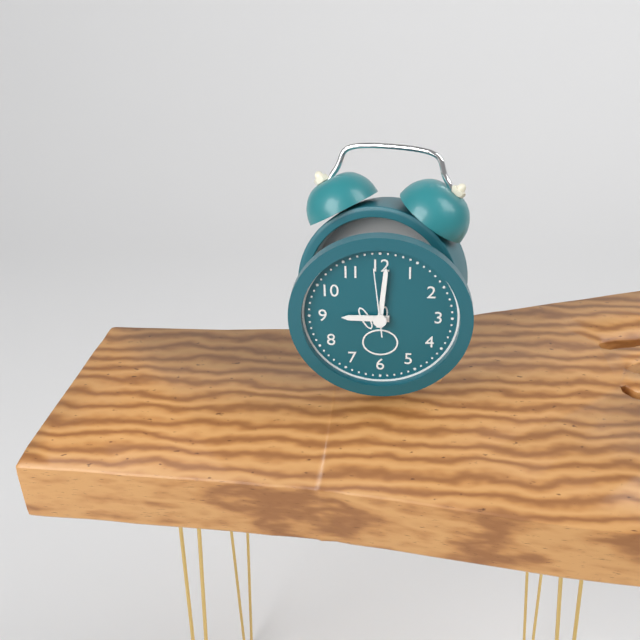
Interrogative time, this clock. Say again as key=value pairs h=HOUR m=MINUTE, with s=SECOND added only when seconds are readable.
h=9 m=1 s=59
